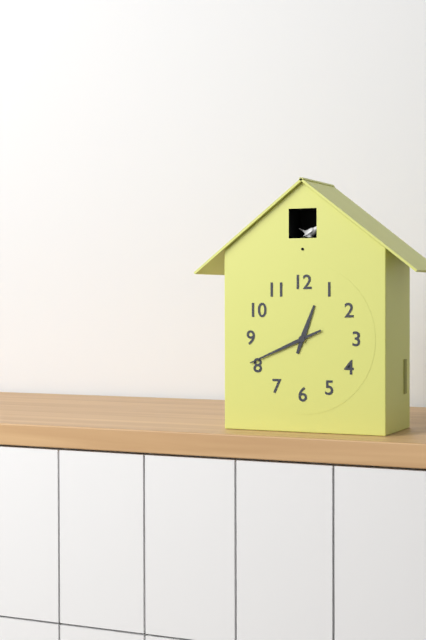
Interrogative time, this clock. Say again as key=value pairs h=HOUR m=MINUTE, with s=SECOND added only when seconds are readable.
h=12 m=41
